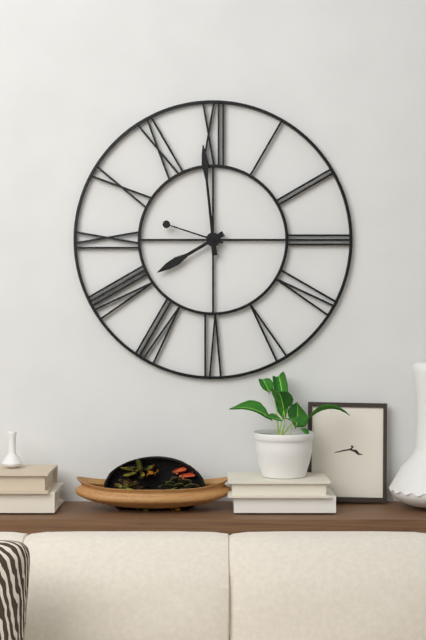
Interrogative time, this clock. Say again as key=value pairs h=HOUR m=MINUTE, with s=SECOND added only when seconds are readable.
h=7 m=59 s=48
